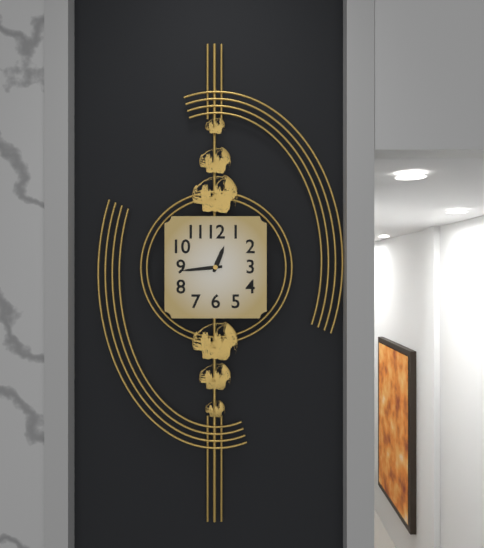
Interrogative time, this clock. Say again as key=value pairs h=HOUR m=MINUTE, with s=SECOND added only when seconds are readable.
h=12 m=44
